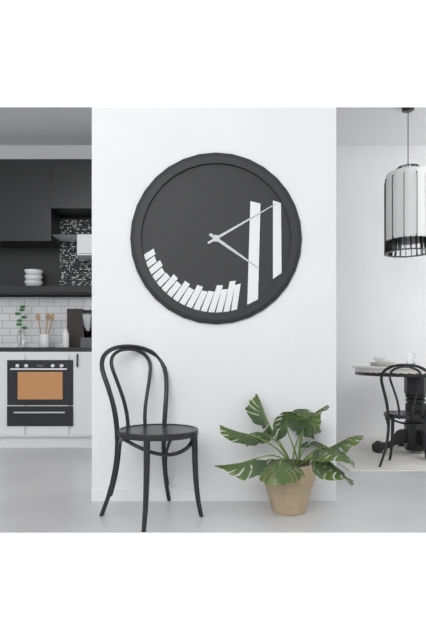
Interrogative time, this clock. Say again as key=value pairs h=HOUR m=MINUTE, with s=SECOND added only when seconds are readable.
h=4 m=10
